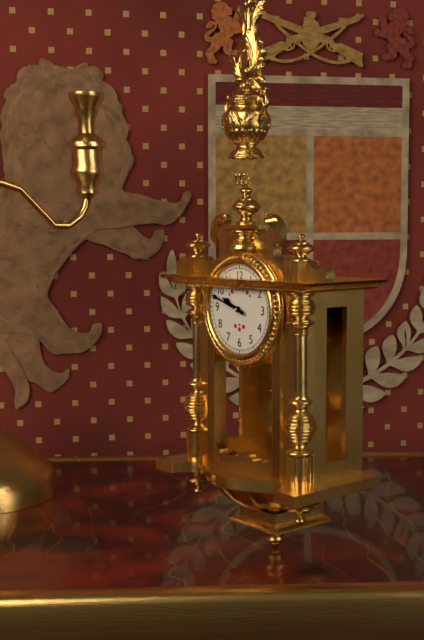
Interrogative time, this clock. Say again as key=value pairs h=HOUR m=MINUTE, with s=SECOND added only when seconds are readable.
h=9 m=48
